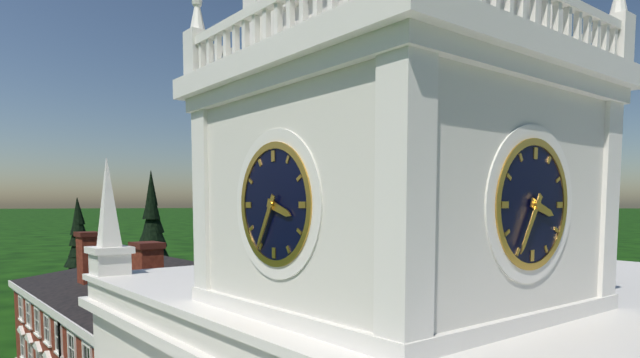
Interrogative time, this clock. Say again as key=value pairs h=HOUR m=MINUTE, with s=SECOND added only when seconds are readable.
h=3 m=35
